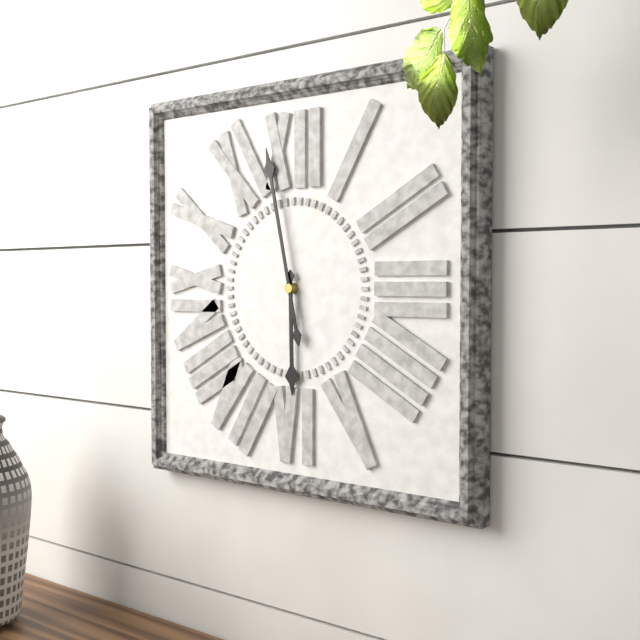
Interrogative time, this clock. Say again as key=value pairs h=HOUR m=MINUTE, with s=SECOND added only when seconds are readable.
h=5 m=58
